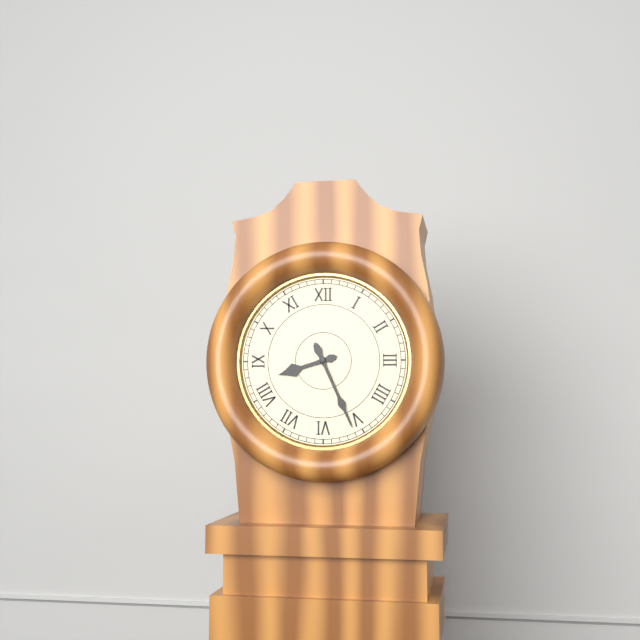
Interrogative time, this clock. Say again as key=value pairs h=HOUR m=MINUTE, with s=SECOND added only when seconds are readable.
h=8 m=26
